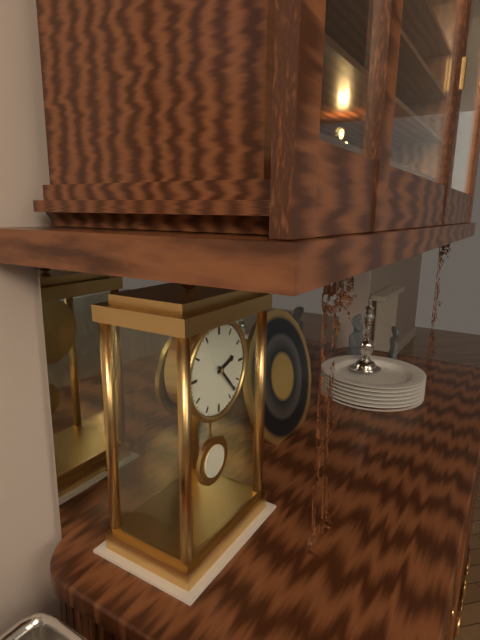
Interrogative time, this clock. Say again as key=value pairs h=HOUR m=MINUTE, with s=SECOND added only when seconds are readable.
h=2 m=23
